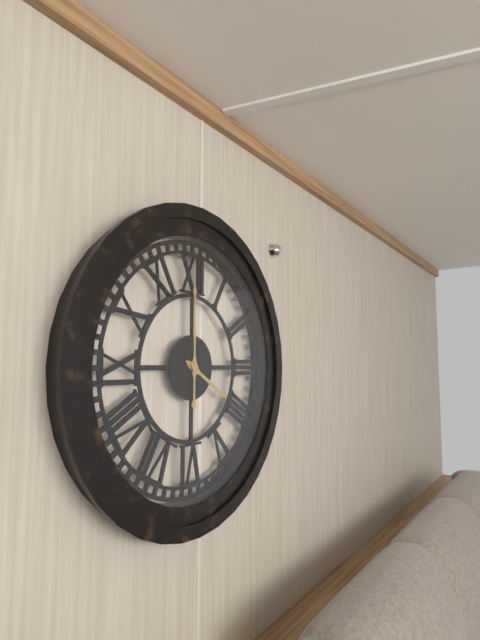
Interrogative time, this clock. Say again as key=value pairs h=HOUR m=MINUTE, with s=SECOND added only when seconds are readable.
h=4 m=0
